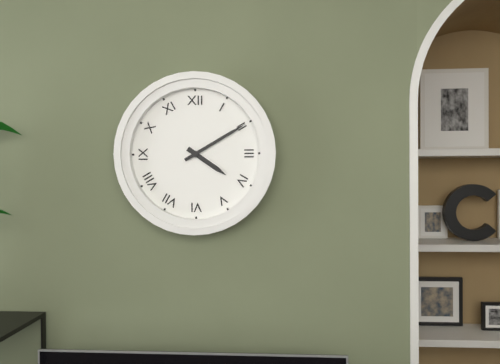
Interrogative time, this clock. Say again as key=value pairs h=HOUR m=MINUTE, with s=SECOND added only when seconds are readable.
h=4 m=10
